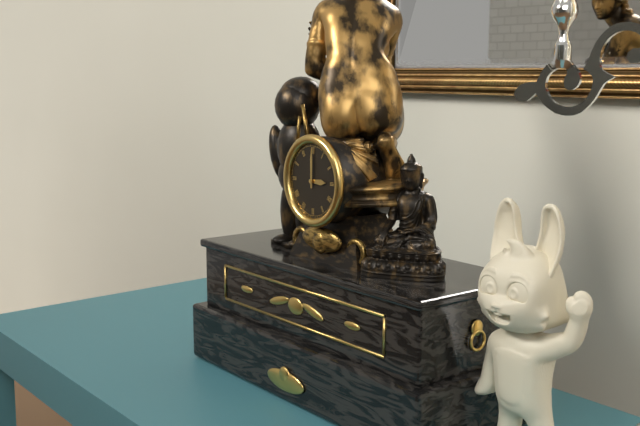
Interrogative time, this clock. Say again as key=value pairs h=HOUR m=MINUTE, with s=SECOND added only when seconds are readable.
h=3 m=0
